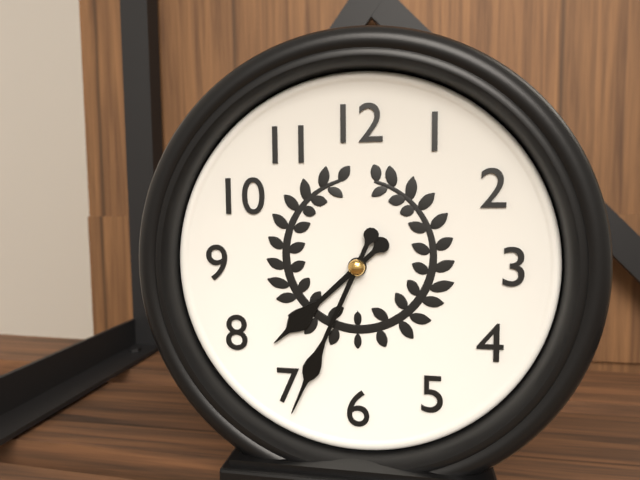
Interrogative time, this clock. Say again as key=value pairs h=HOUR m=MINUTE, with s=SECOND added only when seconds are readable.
h=7 m=34
